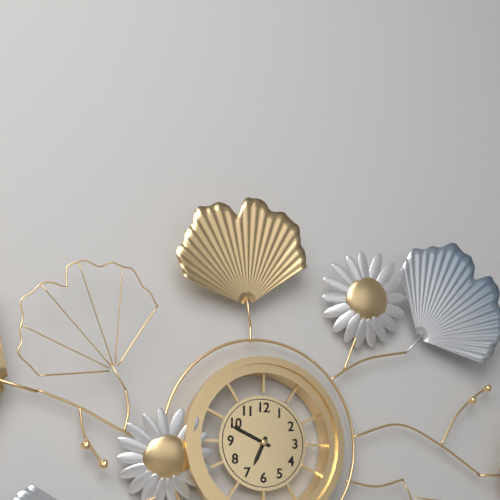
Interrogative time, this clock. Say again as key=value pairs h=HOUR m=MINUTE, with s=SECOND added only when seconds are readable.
h=6 m=49
